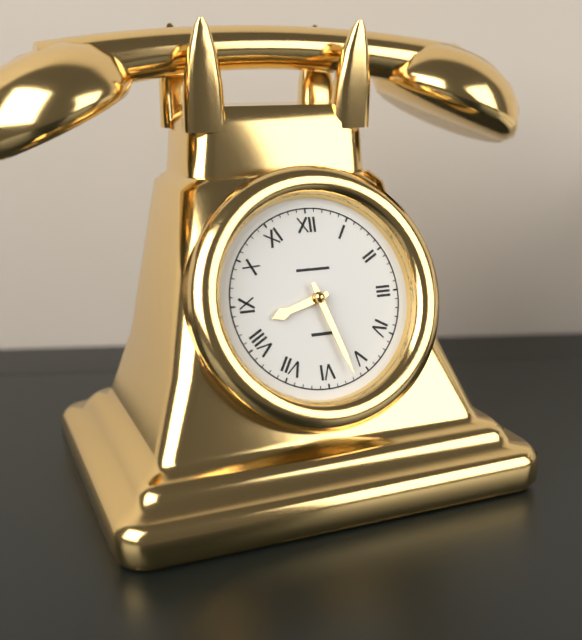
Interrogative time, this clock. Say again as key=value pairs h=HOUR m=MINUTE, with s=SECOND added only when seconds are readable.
h=8 m=27
